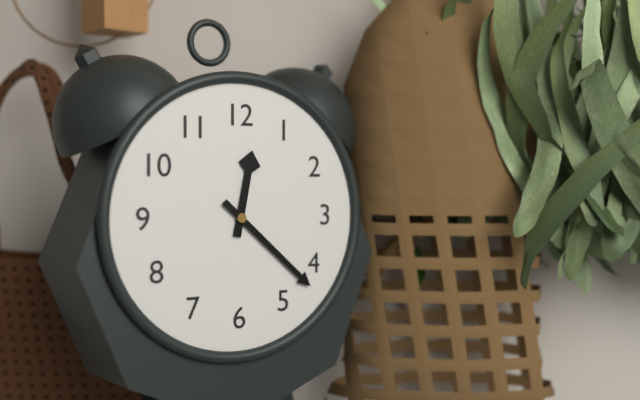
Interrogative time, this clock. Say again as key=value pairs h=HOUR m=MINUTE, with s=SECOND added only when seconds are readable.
h=12 m=22
